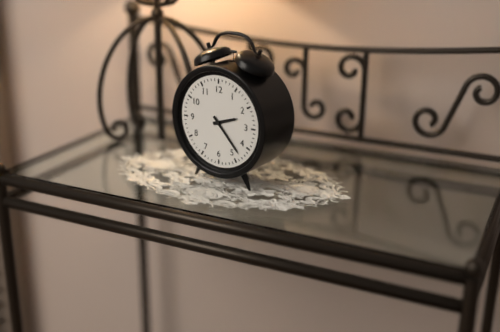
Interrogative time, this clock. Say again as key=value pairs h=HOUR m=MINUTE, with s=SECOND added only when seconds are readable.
h=2 m=23
